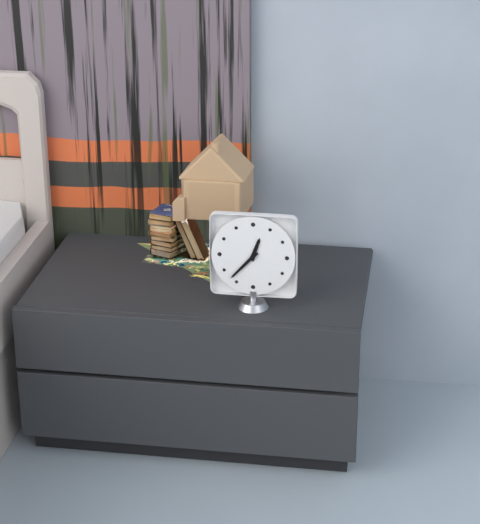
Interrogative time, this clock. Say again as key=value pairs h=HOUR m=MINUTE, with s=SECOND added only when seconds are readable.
h=12 m=37
